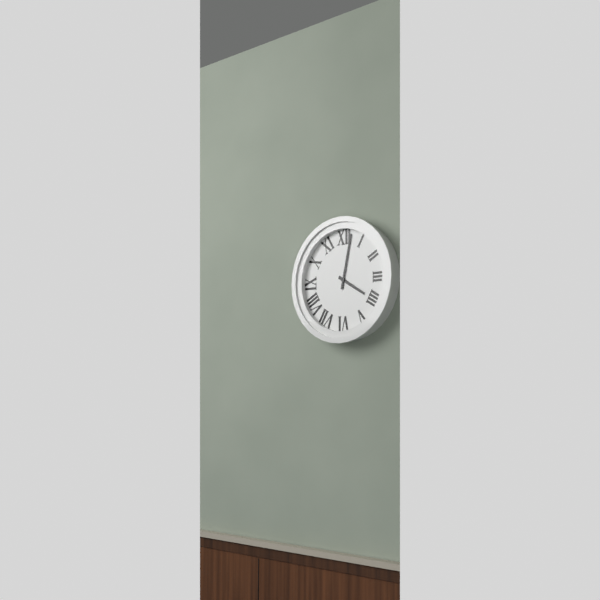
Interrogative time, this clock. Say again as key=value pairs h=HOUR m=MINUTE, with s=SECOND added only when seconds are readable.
h=4 m=2
